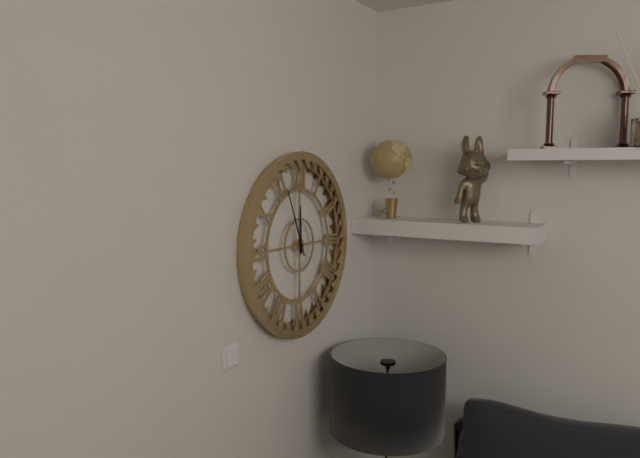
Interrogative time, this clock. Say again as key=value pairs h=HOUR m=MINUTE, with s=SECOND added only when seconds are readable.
h=11 m=56
